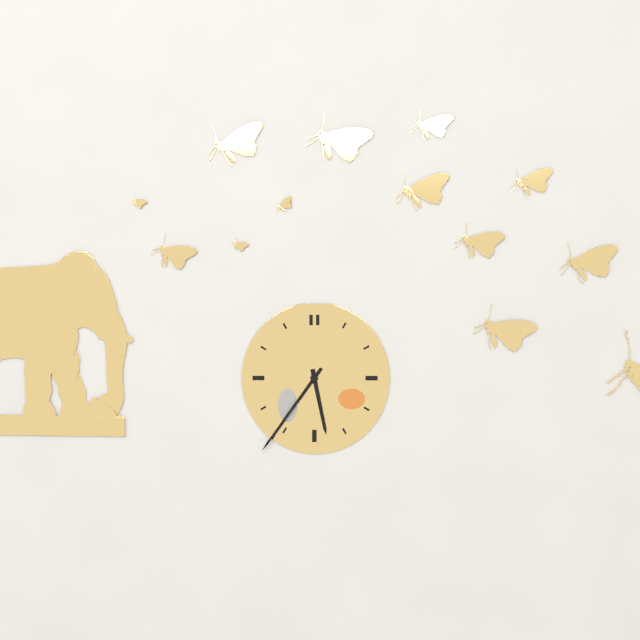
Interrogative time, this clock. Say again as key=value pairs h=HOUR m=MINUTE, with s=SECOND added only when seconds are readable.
h=5 m=36
